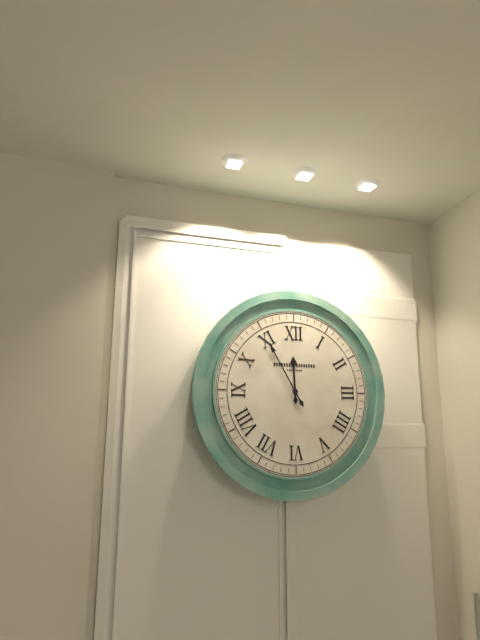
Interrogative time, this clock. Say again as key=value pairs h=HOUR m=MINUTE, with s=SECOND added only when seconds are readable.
h=11 m=55
